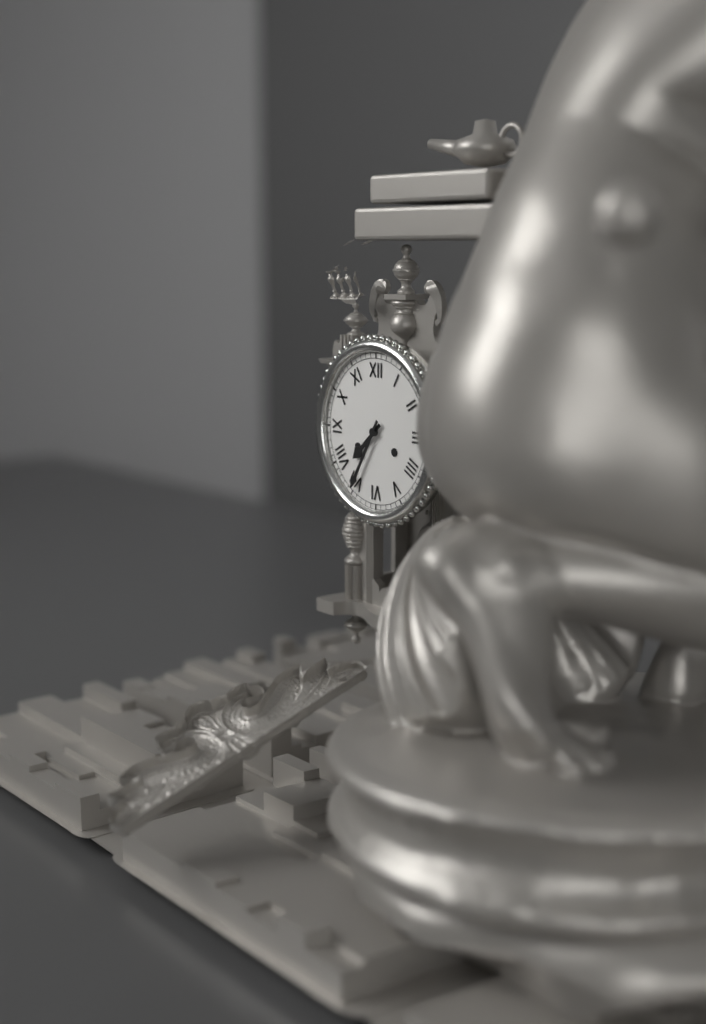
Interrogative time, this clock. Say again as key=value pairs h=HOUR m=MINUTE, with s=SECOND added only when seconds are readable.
h=7 m=35
